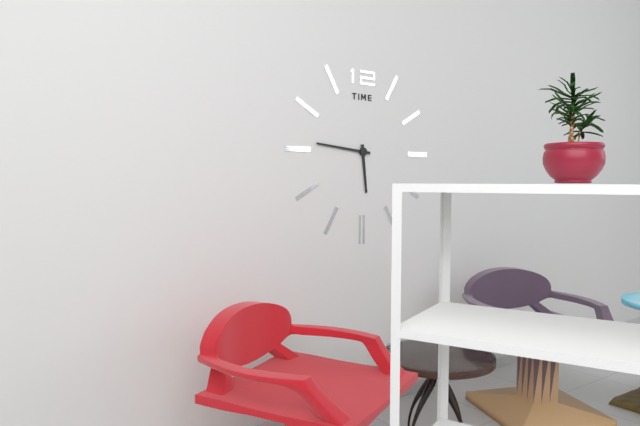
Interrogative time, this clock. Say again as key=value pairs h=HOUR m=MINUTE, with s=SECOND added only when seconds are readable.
h=5 m=46
